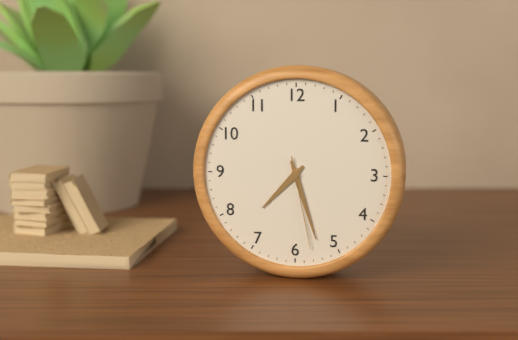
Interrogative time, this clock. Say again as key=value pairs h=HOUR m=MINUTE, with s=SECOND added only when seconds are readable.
h=7 m=27 s=28
